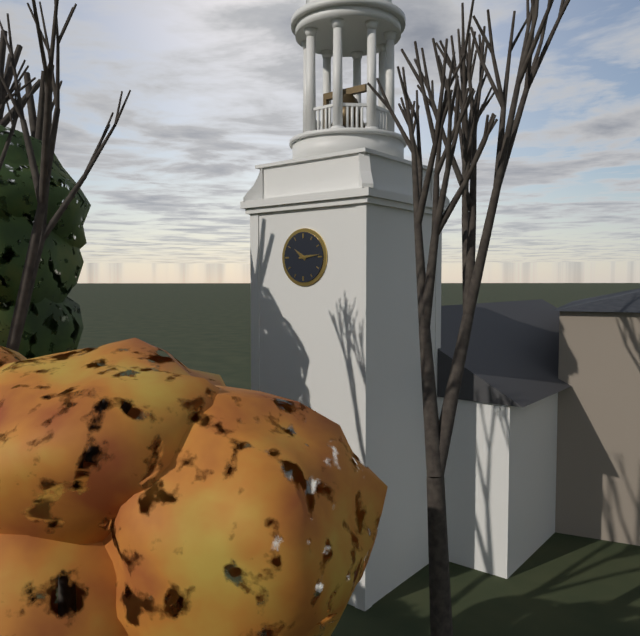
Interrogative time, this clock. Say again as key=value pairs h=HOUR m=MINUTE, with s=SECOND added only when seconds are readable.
h=10 m=14
